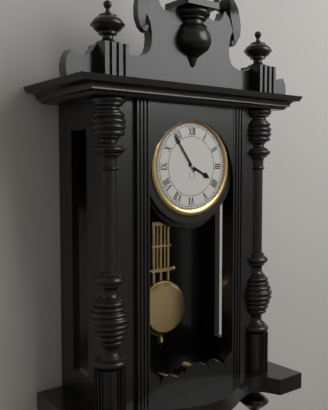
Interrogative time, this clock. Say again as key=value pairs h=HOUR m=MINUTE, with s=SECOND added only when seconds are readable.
h=3 m=54
